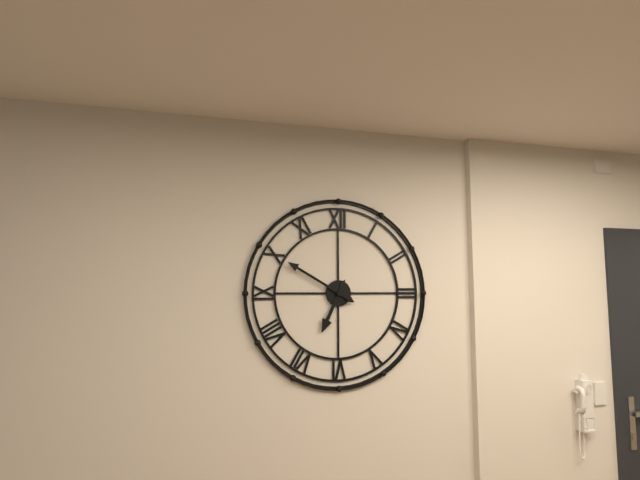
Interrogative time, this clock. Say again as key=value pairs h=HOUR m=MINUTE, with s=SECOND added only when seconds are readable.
h=6 m=50
